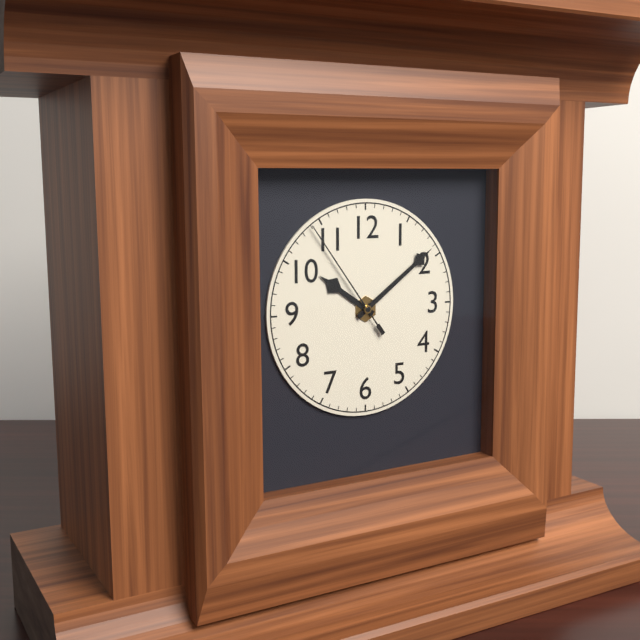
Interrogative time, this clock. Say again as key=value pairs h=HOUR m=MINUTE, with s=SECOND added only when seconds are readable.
h=10 m=9 s=54
